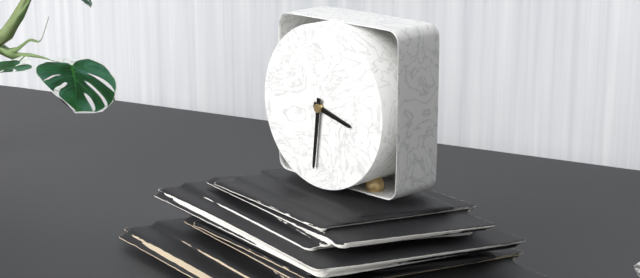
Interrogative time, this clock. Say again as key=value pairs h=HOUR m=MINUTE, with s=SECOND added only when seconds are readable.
h=3 m=31
